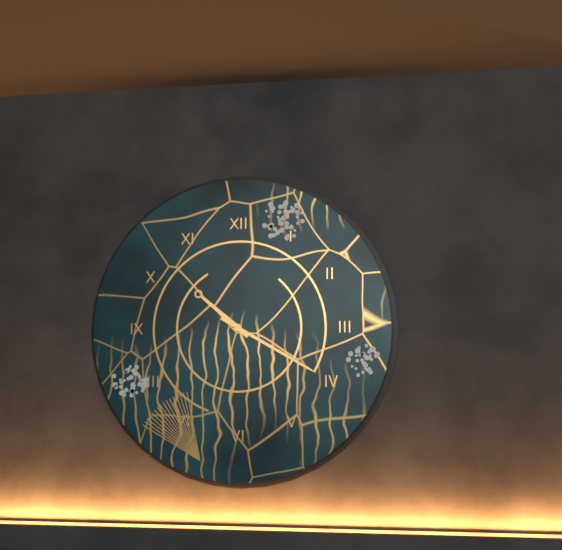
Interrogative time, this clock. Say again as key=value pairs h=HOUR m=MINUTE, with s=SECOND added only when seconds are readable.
h=10 m=20
